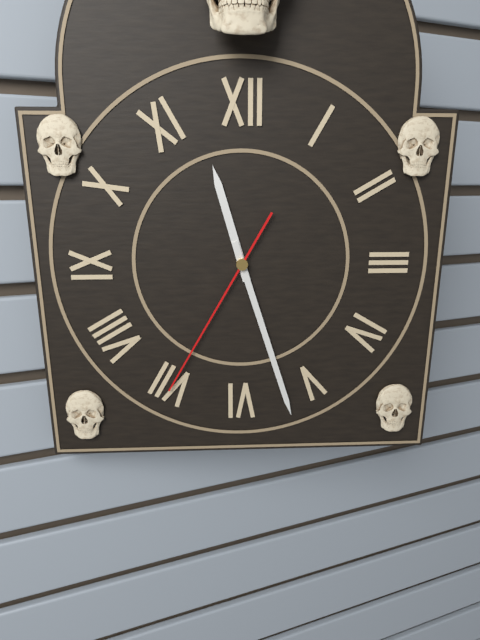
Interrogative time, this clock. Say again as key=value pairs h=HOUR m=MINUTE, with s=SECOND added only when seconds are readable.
h=11 m=27 s=35
